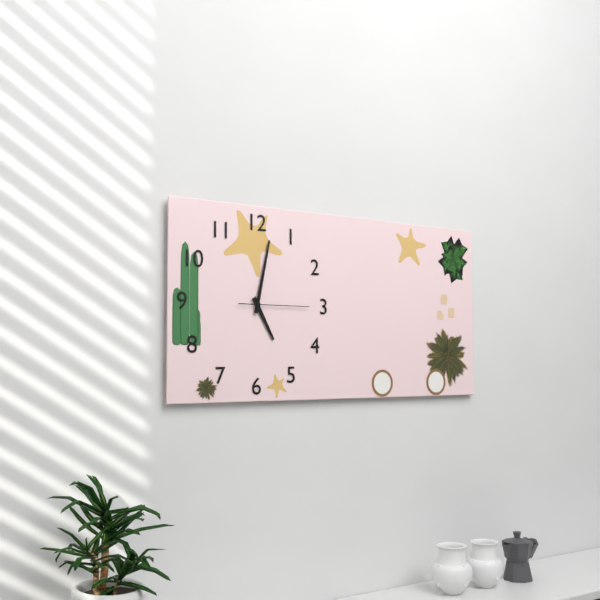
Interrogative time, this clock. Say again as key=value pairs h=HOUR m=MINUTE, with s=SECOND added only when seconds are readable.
h=5 m=2 s=15
